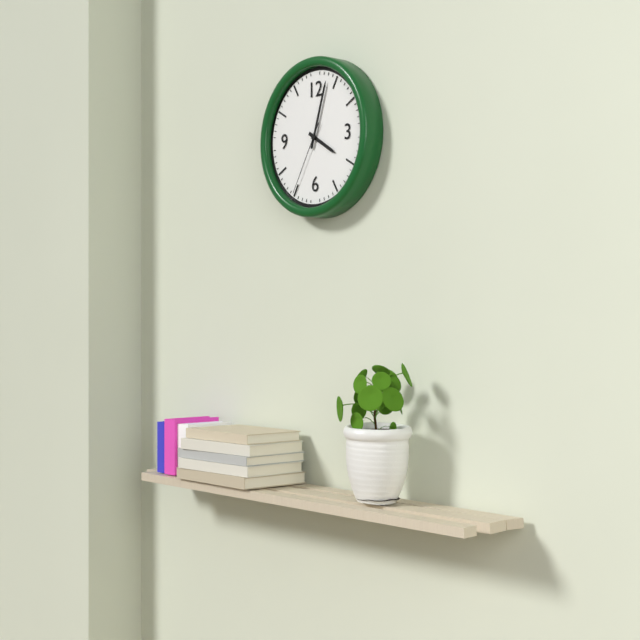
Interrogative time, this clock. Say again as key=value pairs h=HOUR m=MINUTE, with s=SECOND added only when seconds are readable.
h=4 m=3 s=35
